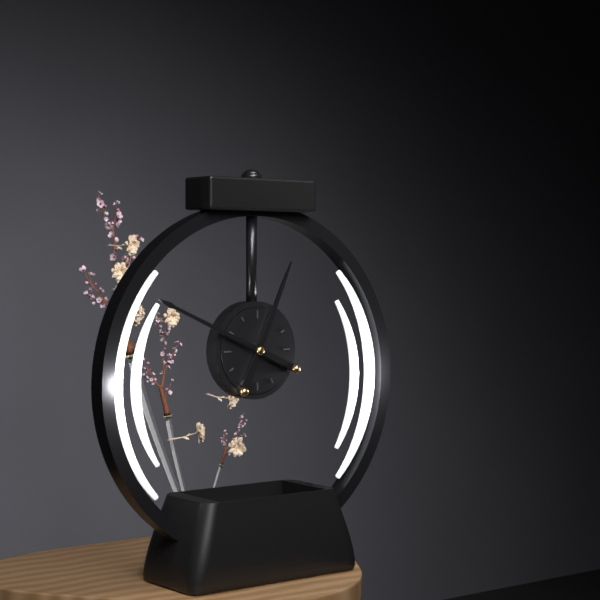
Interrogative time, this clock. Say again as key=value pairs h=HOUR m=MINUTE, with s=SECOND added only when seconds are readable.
h=12 m=49
